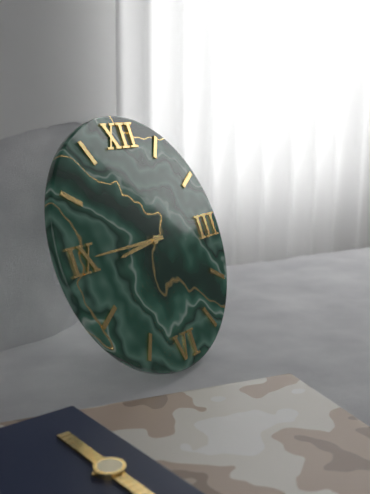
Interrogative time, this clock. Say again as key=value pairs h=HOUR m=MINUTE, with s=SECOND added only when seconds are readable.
h=8 m=45
